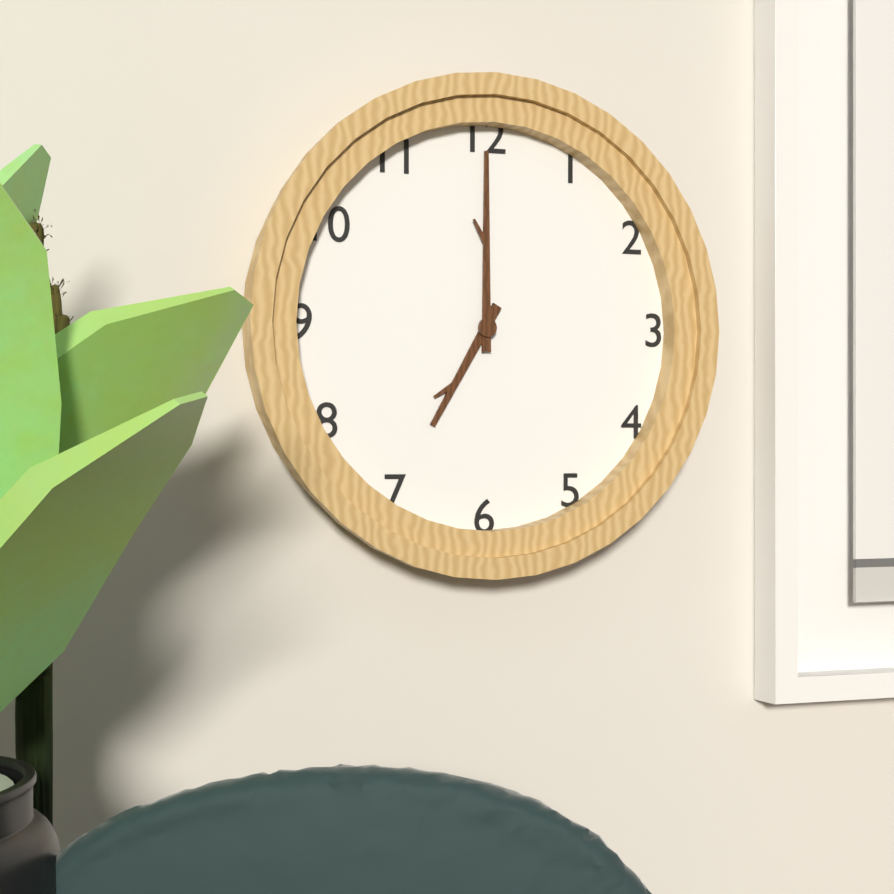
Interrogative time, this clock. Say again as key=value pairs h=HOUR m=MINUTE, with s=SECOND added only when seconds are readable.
h=7 m=0
